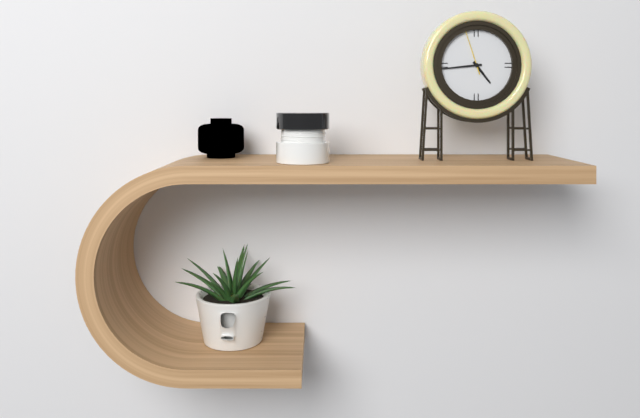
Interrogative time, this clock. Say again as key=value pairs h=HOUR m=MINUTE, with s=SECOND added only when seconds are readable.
h=4 m=44
